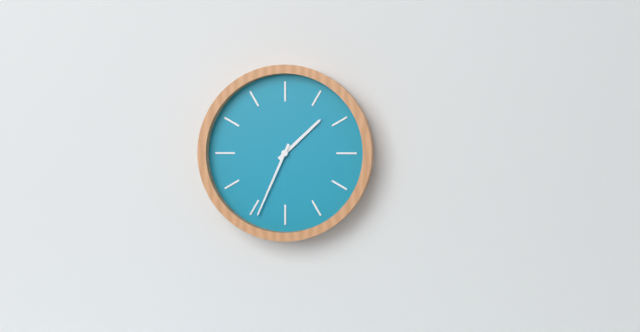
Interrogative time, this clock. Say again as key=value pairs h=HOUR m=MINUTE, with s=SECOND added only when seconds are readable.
h=1 m=34
